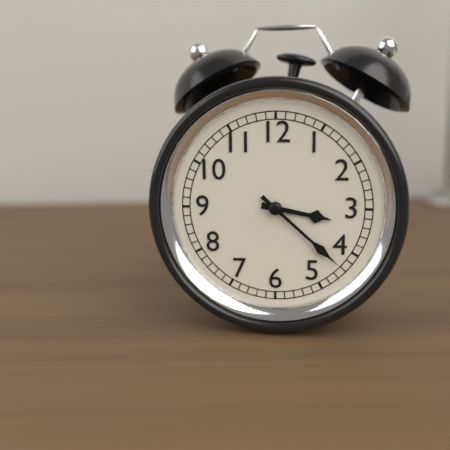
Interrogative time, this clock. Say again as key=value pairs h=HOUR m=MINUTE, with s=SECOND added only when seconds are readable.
h=3 m=22
